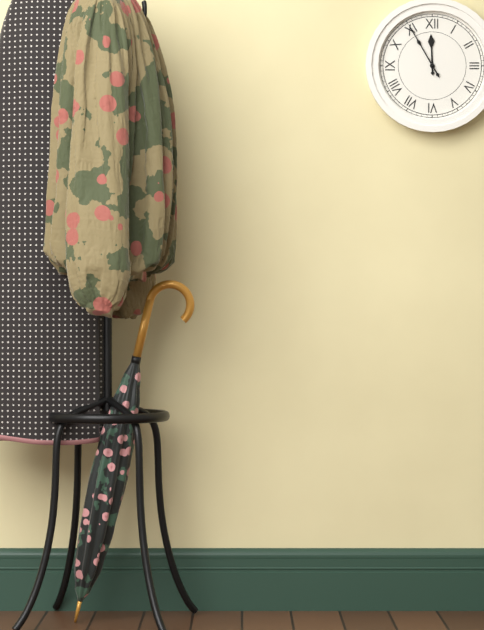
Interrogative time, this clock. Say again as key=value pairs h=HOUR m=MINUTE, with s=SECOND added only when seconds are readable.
h=11 m=55
